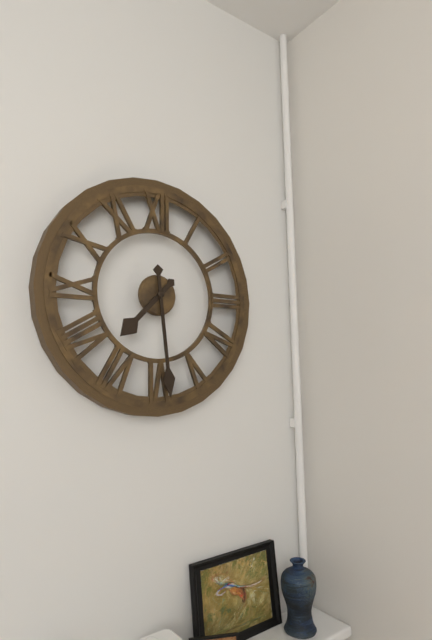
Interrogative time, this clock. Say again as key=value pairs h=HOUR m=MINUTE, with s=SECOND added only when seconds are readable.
h=7 m=29
